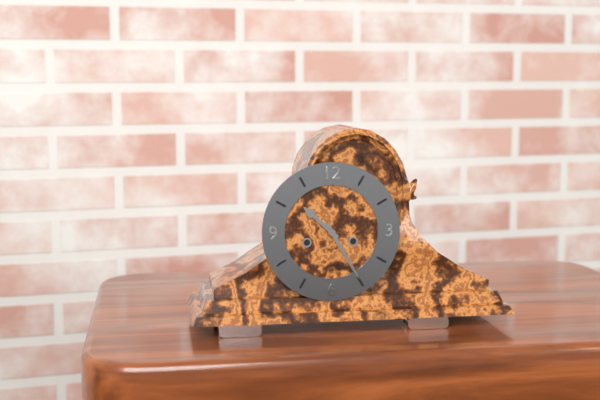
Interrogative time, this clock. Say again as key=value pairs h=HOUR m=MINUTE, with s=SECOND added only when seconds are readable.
h=10 m=25
